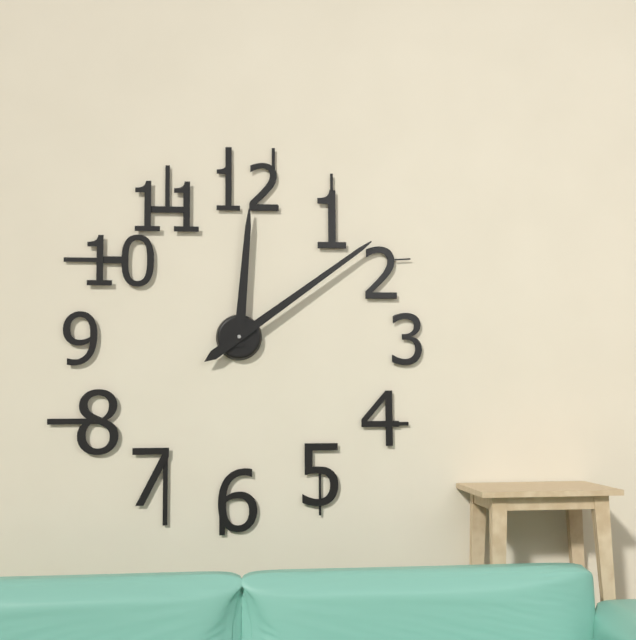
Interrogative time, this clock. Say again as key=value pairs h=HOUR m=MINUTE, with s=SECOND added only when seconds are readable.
h=12 m=9
